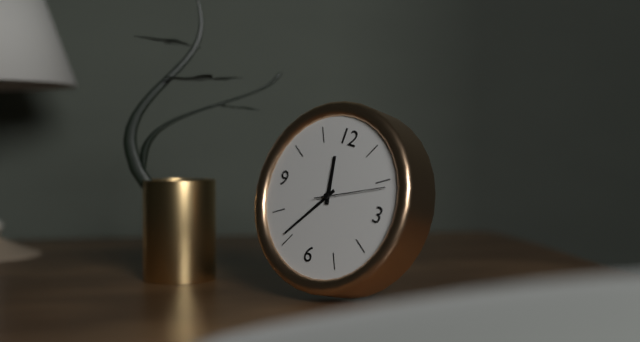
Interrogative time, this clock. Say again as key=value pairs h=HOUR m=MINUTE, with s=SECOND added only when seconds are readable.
h=11 m=36 s=11
